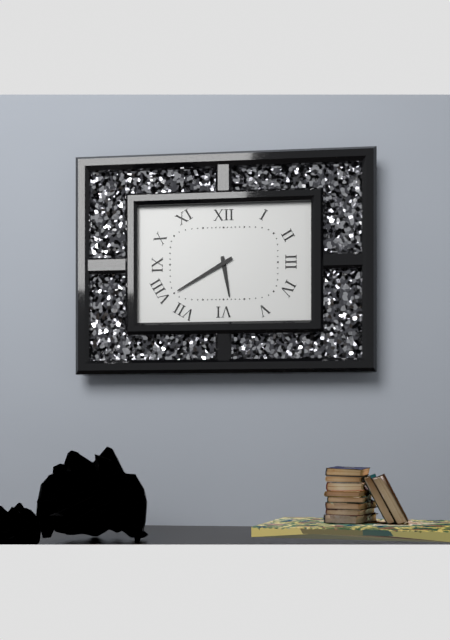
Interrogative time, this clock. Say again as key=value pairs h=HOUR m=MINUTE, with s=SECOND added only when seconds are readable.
h=5 m=40
